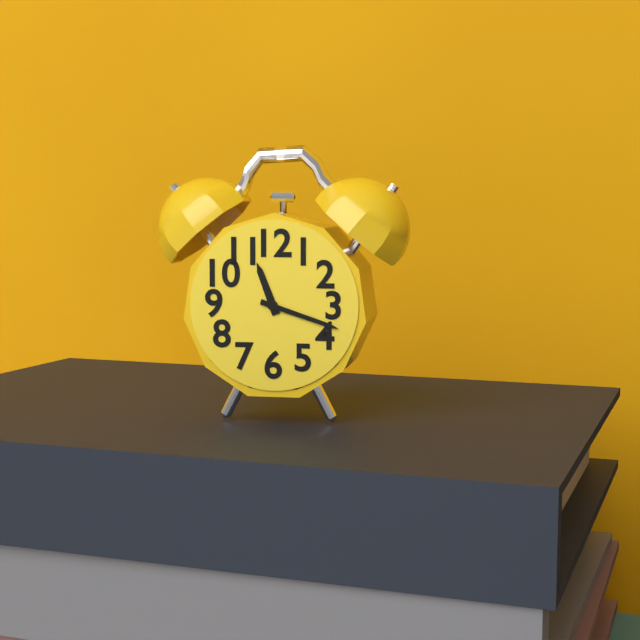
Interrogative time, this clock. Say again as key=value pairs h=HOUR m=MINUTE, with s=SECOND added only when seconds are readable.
h=11 m=18
